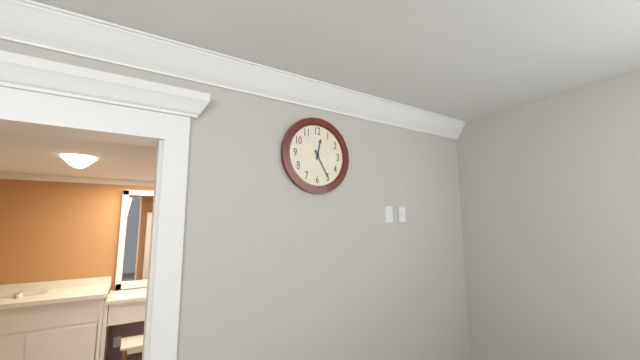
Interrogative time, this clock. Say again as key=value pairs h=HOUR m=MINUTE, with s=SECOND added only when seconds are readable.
h=12 m=25
